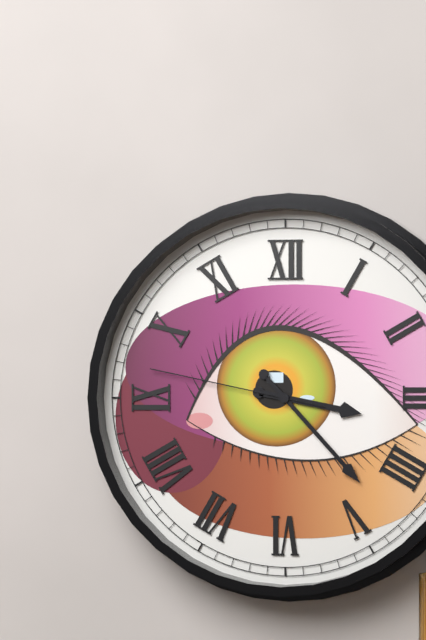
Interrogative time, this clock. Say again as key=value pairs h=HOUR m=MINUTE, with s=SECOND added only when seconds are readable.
h=3 m=23 s=47
